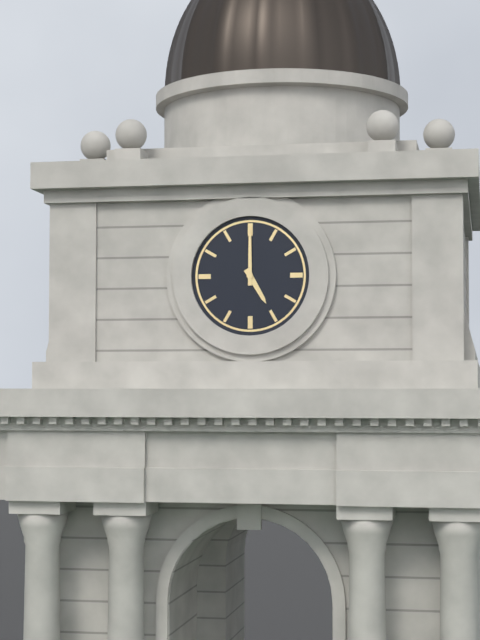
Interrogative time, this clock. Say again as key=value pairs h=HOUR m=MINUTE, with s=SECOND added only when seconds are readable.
h=5 m=0
